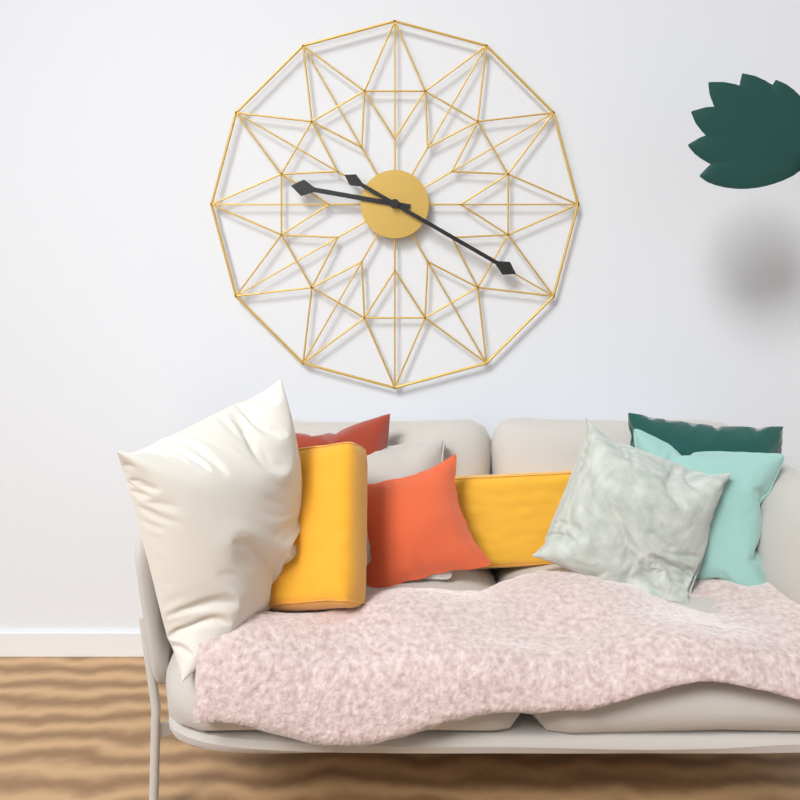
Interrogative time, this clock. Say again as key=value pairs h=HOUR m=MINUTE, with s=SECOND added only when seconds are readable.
h=9 m=20
